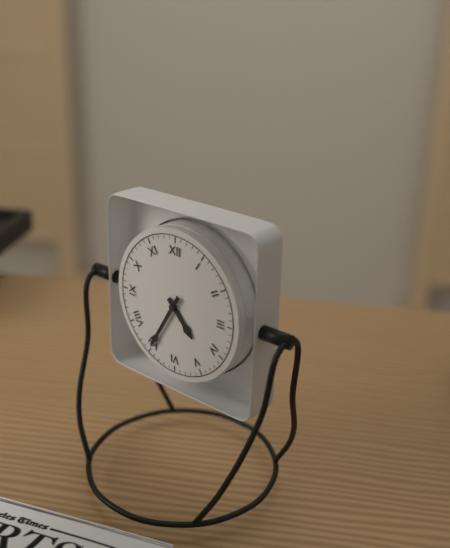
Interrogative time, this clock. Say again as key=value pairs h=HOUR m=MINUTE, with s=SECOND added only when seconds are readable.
h=4 m=35
